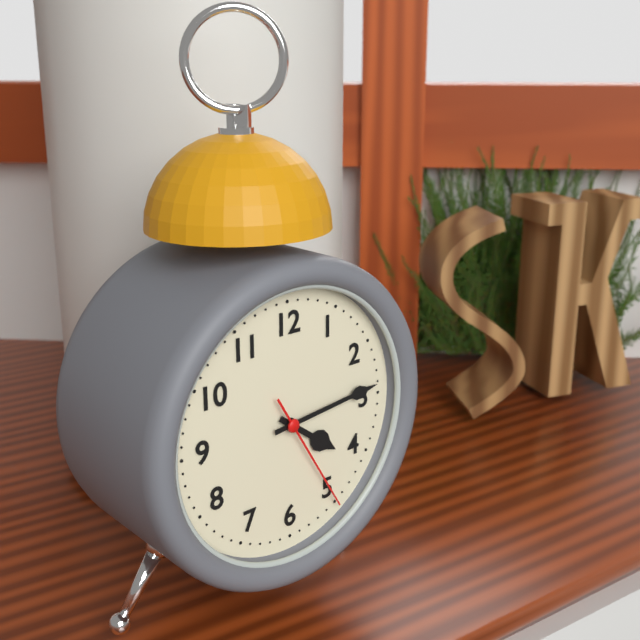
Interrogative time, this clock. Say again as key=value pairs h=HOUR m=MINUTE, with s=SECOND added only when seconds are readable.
h=4 m=14 s=25
